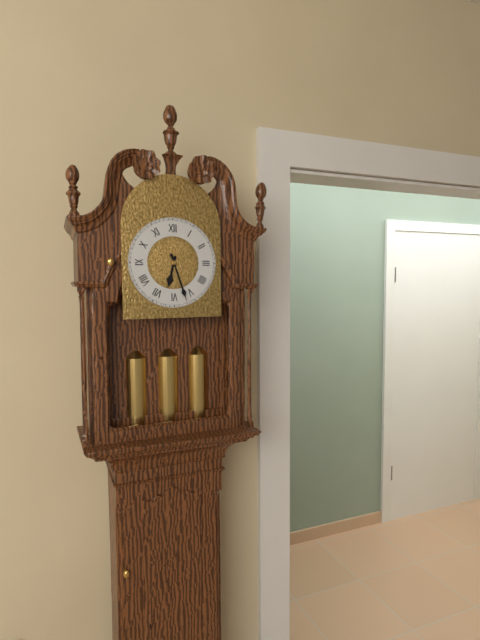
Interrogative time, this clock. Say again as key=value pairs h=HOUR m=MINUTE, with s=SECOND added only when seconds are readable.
h=6 m=27
